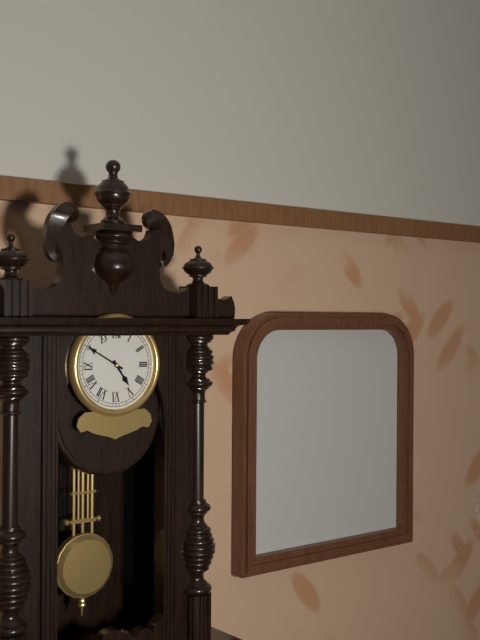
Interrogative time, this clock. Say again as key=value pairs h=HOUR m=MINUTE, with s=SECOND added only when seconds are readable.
h=4 m=50
